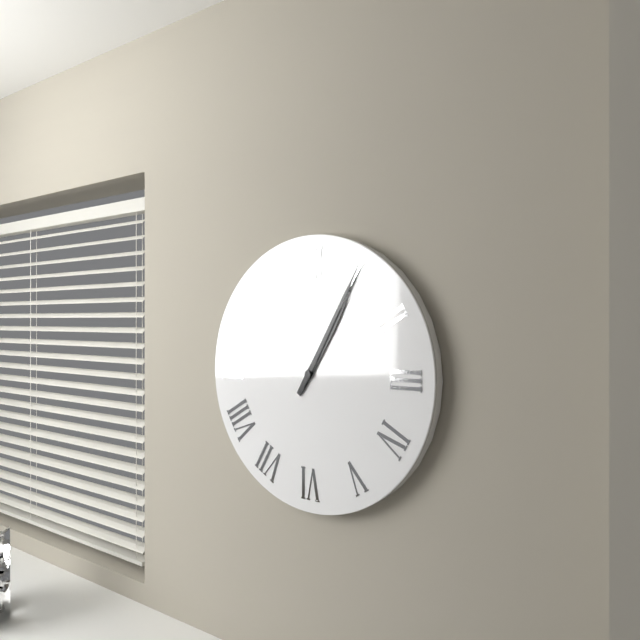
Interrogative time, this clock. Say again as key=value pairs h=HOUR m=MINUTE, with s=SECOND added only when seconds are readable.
h=1 m=5
